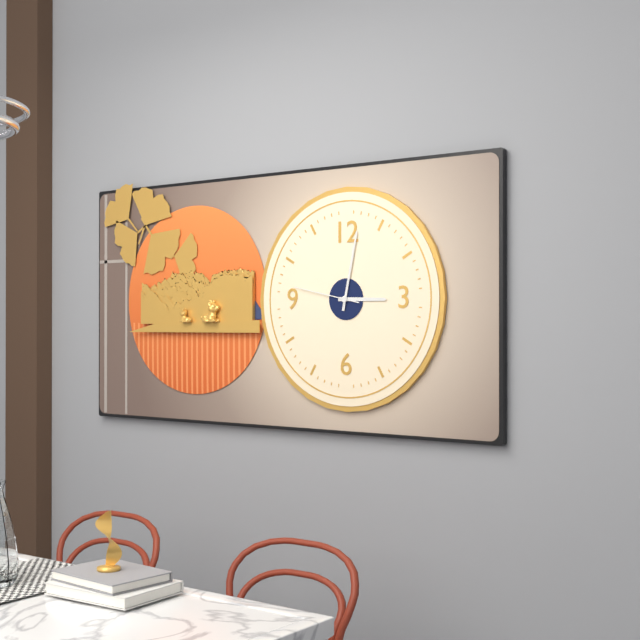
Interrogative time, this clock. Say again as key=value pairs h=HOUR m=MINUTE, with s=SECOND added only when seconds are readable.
h=3 m=2 s=47
